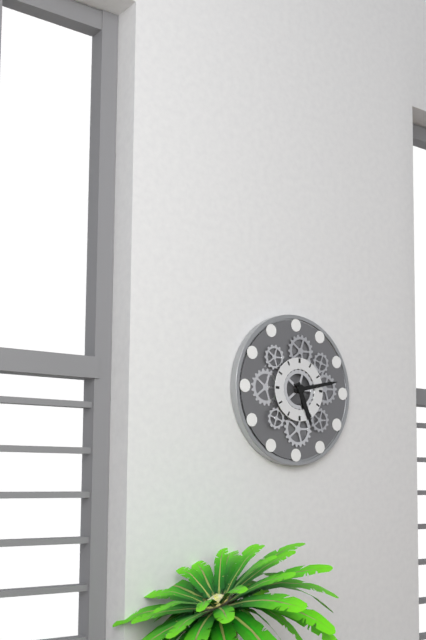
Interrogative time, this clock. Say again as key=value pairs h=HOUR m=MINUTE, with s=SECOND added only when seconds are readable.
h=5 m=13
